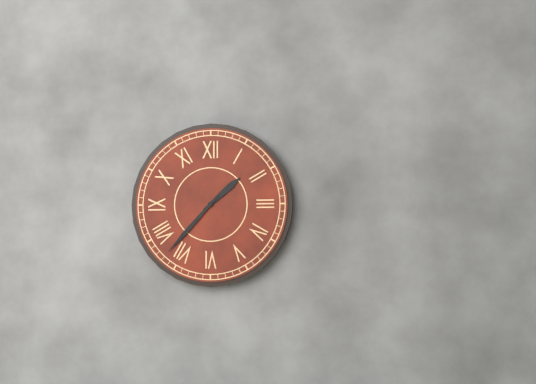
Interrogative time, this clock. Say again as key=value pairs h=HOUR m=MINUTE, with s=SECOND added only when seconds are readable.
h=1 m=37
